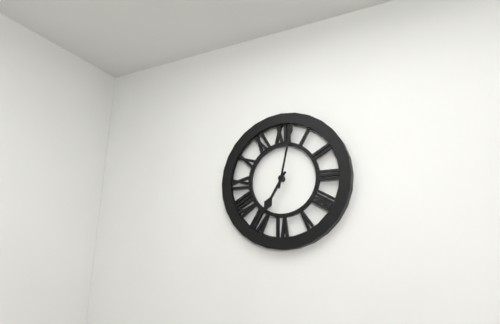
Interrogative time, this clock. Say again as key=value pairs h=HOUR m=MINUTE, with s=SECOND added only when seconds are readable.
h=7 m=2
